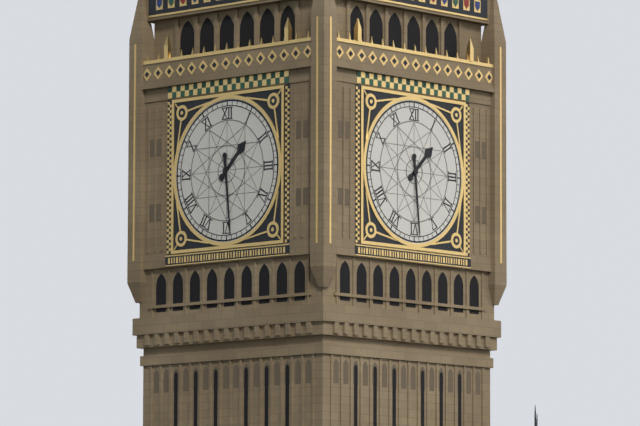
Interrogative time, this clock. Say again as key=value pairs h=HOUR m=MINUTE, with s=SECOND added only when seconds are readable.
h=1 m=29
